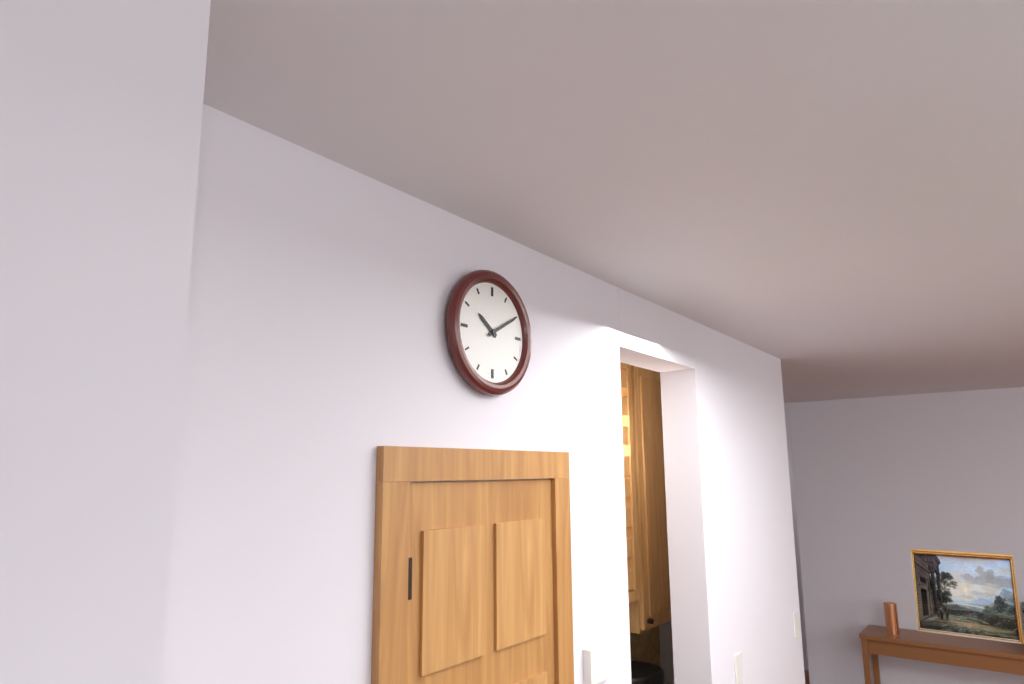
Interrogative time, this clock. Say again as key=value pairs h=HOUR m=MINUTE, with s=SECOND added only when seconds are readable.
h=10 m=10
